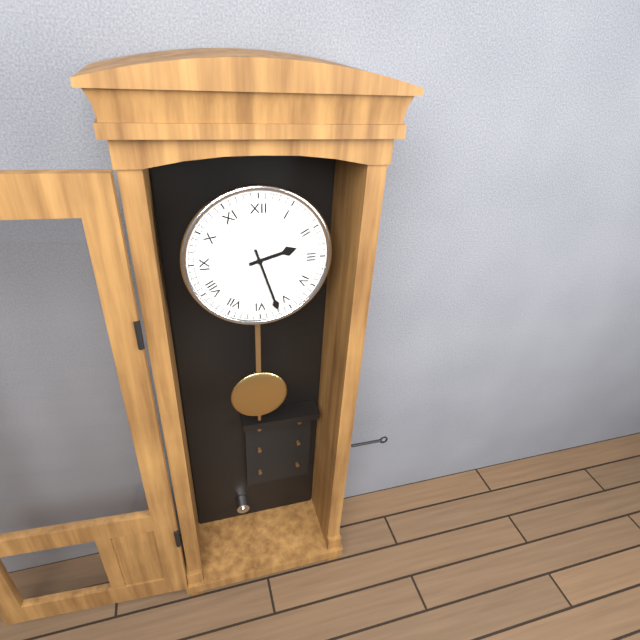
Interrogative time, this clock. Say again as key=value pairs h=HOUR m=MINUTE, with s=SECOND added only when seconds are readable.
h=2 m=27
